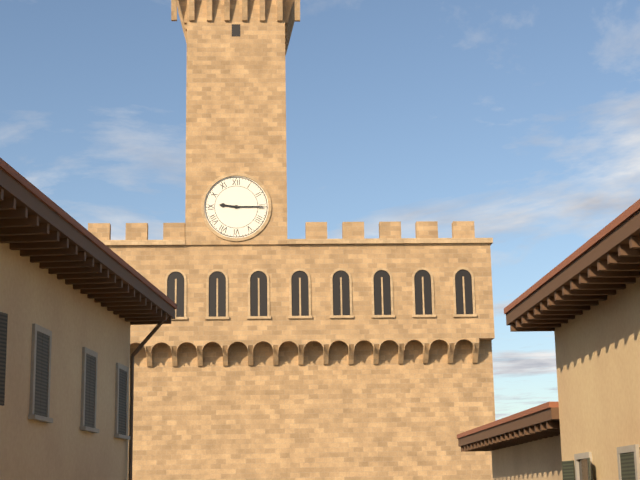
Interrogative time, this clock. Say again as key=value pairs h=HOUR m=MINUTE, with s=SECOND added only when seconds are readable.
h=9 m=15
